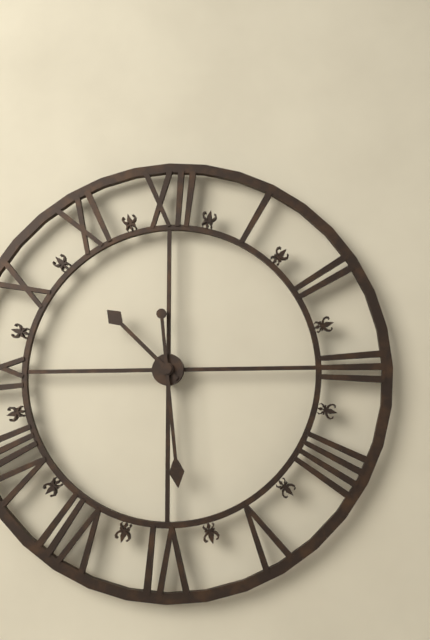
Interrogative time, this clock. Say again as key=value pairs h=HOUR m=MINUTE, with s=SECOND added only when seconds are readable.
h=10 m=29
